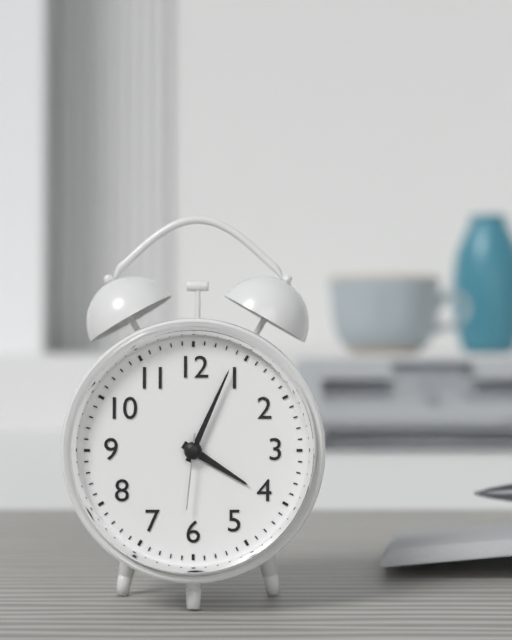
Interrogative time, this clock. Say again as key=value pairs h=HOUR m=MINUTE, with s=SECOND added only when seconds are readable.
h=4 m=4 s=31
